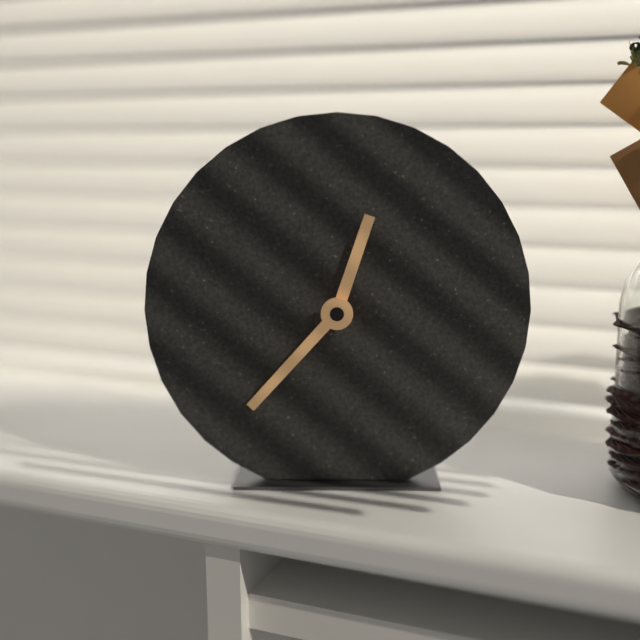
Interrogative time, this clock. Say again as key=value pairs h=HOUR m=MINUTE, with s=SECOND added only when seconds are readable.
h=12 m=37
